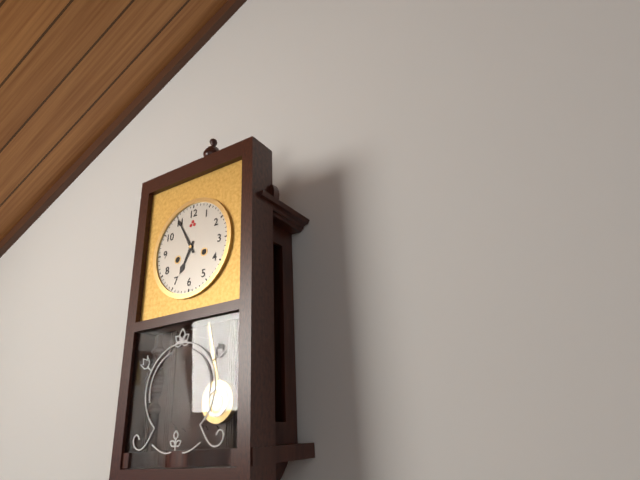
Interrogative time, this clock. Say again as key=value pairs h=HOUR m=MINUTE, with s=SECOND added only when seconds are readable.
h=6 m=55
